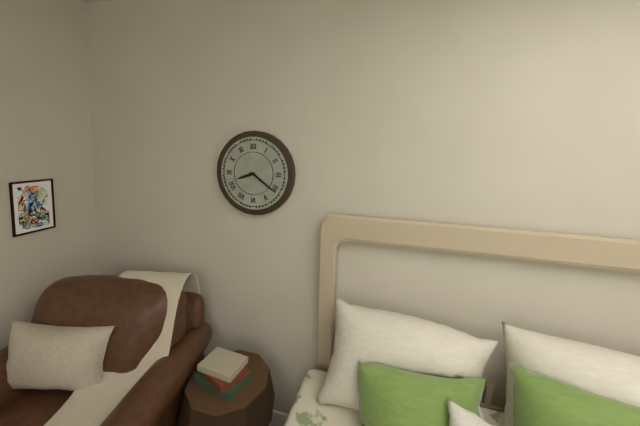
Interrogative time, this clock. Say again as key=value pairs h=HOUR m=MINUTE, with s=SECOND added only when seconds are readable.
h=8 m=21
